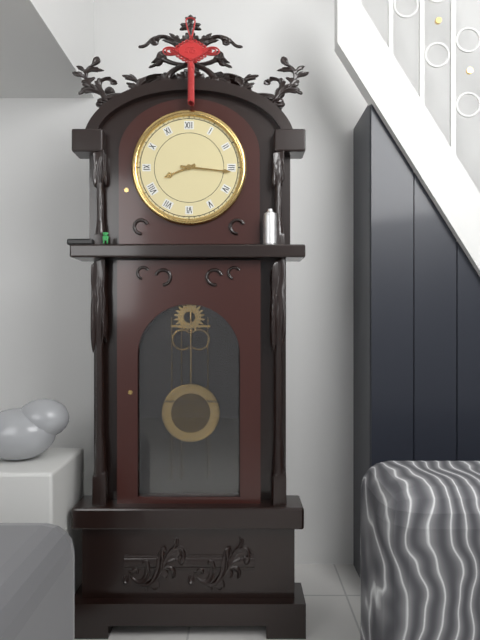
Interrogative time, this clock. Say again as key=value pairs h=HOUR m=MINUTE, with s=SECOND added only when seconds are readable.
h=8 m=16
